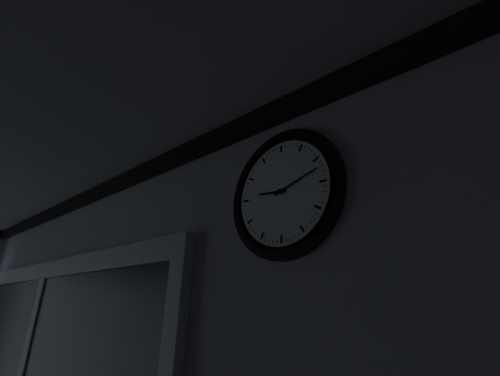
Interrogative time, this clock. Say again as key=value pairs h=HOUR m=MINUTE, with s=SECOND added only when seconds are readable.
h=9 m=12
